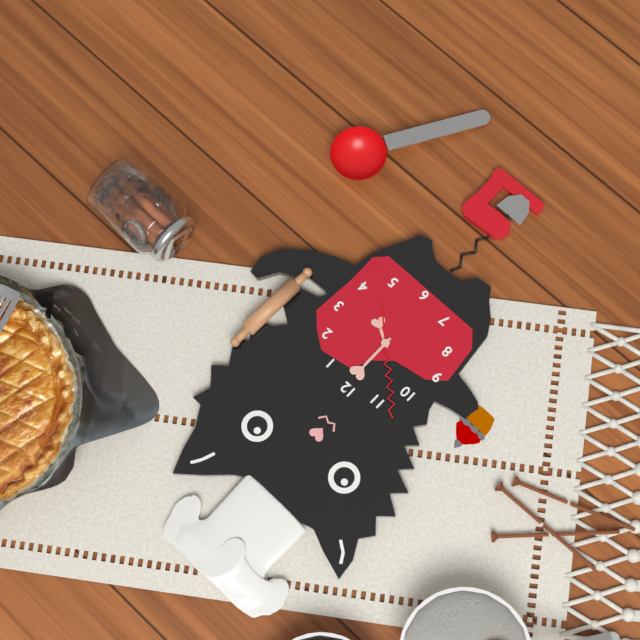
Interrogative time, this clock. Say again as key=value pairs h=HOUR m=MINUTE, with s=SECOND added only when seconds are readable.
h=4 m=0 s=52
